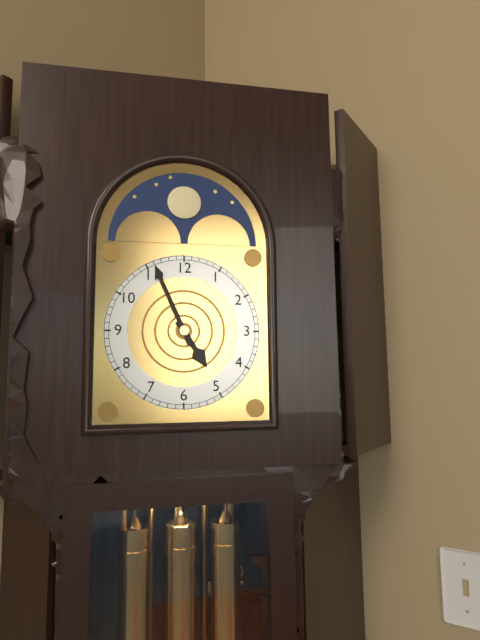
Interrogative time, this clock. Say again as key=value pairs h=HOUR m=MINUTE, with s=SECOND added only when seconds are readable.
h=4 m=56
